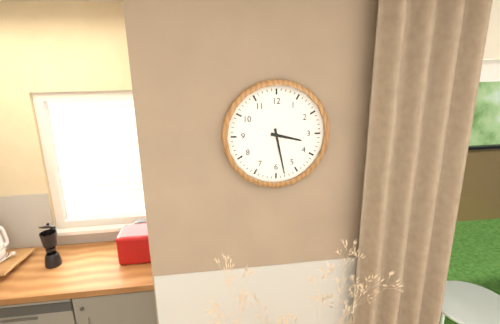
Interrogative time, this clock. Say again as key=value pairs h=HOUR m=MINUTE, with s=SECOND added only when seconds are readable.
h=3 m=28
